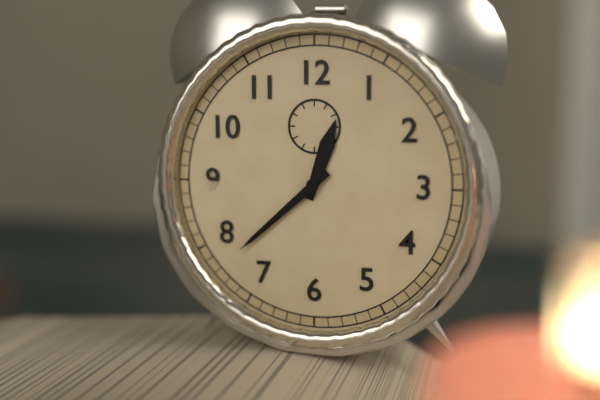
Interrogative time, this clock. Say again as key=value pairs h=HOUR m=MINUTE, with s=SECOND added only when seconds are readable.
h=12 m=38
